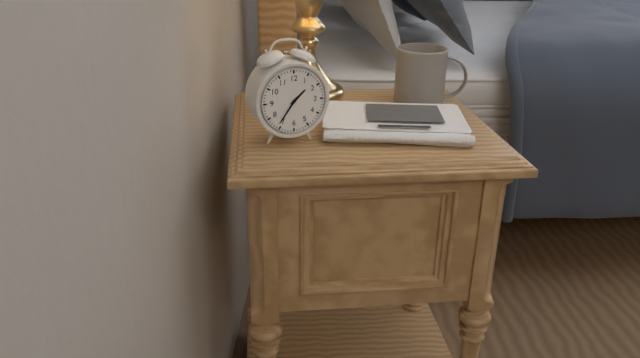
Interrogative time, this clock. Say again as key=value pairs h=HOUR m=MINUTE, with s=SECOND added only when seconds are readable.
h=1 m=36
